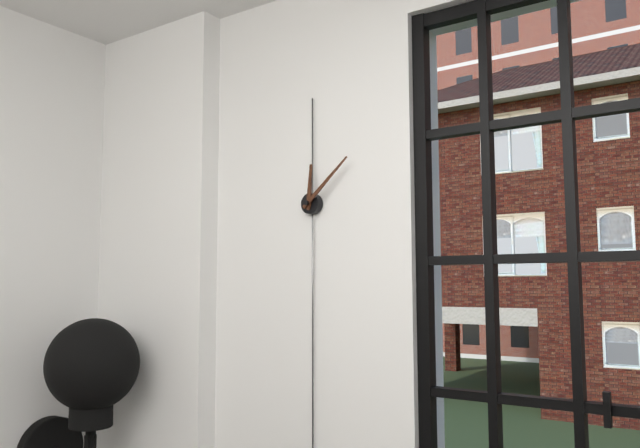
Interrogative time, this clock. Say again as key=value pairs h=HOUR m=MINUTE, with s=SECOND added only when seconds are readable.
h=12 m=8
